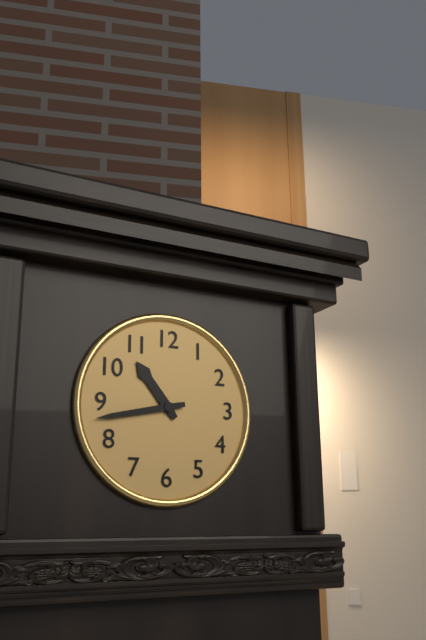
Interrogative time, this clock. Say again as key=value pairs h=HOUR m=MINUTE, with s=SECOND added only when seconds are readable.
h=10 m=43
